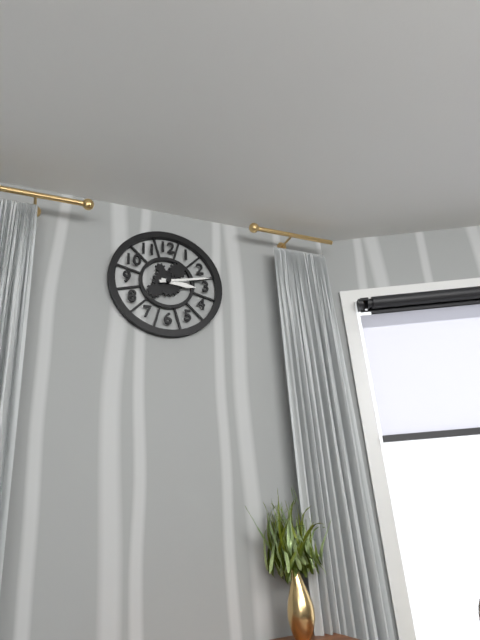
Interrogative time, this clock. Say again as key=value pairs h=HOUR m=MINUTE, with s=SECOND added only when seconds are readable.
h=3 m=13
